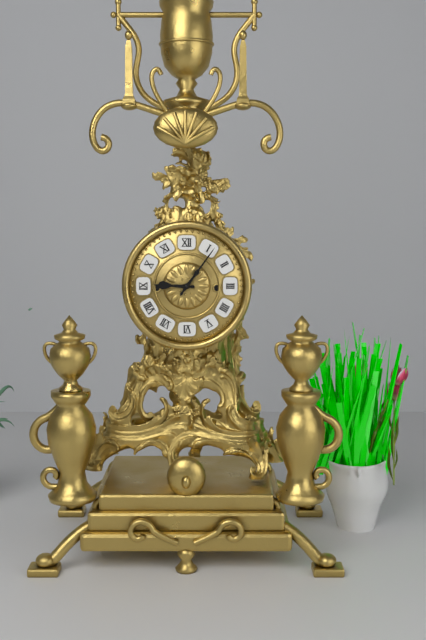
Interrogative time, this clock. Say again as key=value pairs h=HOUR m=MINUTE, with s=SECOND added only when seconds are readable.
h=9 m=6
